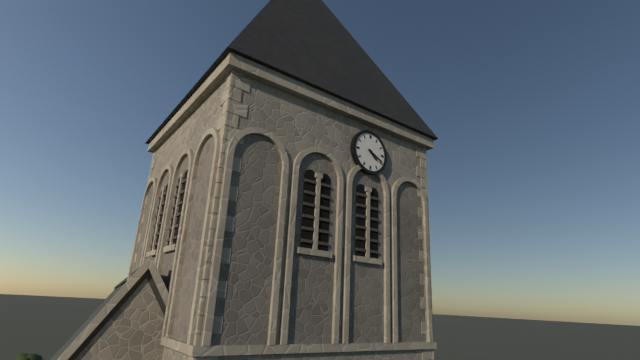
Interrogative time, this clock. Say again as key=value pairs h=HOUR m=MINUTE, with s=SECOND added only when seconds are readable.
h=4 m=19
